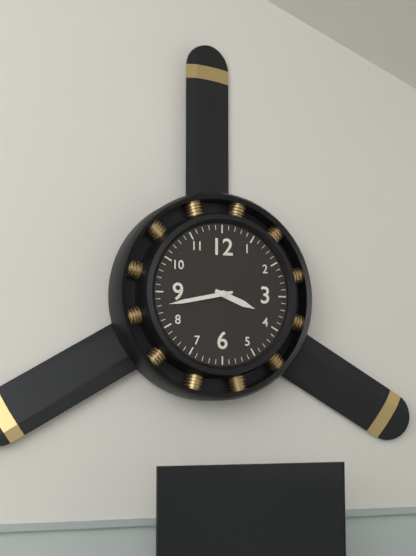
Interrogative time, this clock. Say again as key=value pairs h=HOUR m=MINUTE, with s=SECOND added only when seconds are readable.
h=3 m=43
